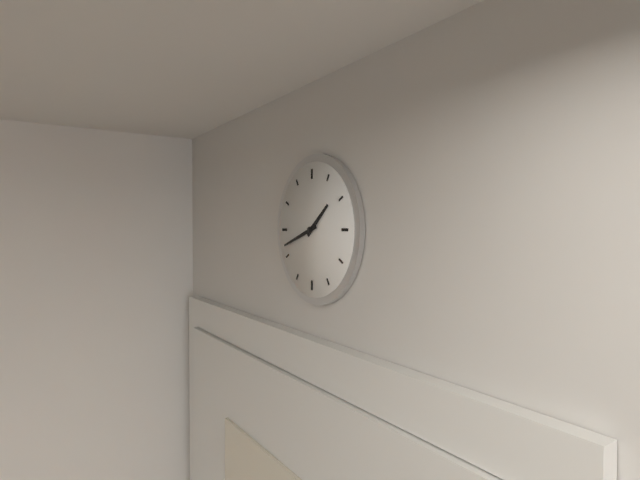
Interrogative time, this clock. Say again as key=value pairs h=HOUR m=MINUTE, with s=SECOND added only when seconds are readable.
h=1 m=42
